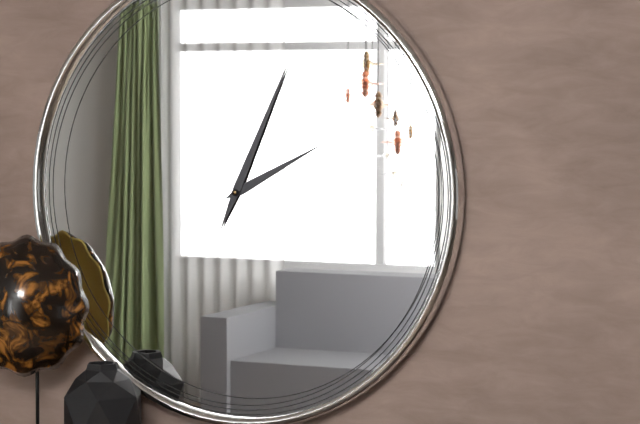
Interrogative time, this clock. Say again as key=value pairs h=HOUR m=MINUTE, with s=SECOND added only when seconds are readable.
h=2 m=4
